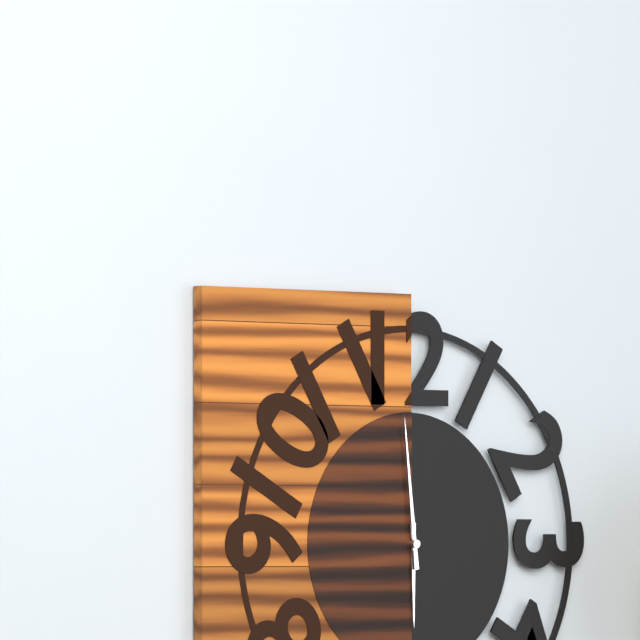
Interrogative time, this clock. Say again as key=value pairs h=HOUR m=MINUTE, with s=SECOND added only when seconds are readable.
h=5 m=59
